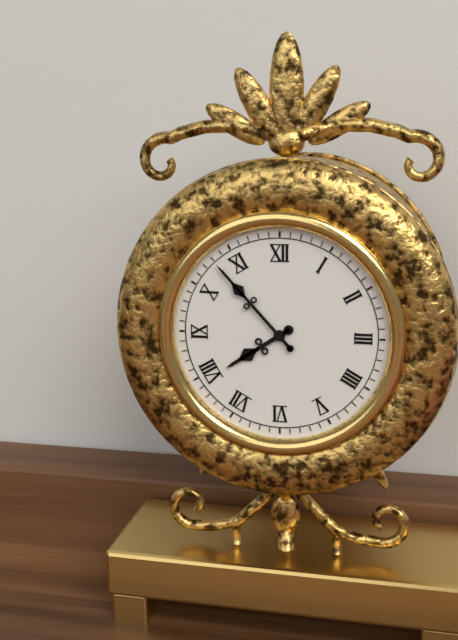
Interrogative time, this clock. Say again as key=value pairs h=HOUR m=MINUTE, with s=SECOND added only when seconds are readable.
h=7 m=53
